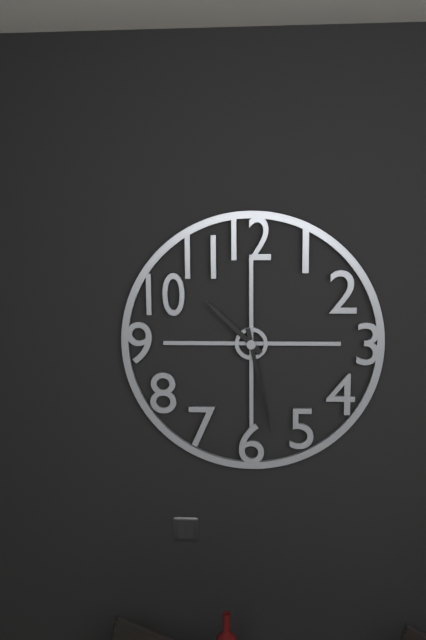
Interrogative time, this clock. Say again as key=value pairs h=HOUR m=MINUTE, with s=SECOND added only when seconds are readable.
h=10 m=28
